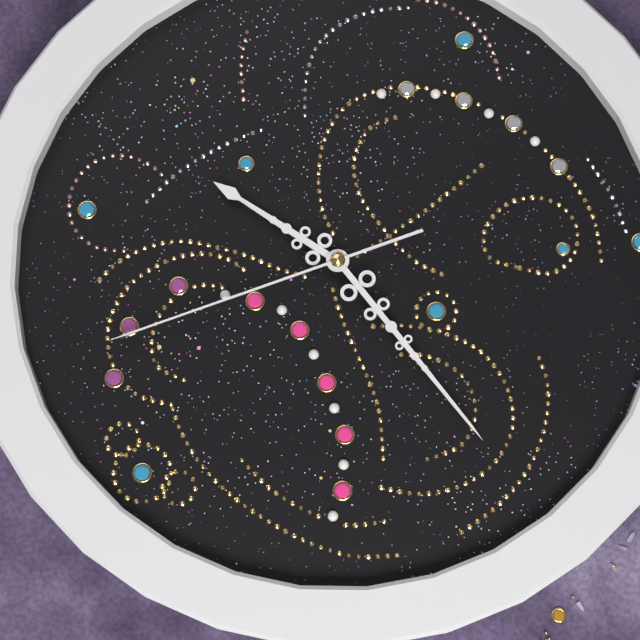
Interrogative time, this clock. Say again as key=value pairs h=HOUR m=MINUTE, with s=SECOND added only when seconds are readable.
h=2 m=47 s=5
